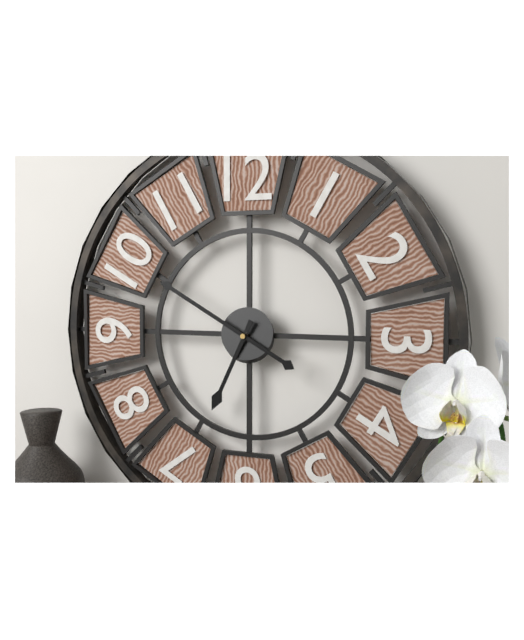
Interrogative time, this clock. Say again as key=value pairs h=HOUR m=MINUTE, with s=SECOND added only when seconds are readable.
h=6 m=50
